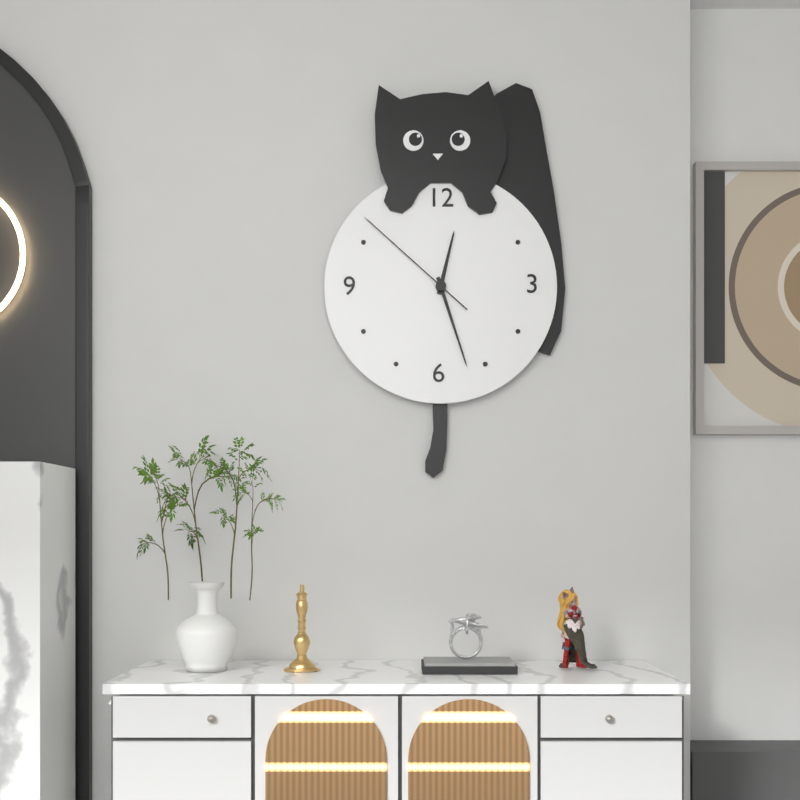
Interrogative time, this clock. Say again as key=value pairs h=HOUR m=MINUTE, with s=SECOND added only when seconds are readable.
h=12 m=27 s=52
